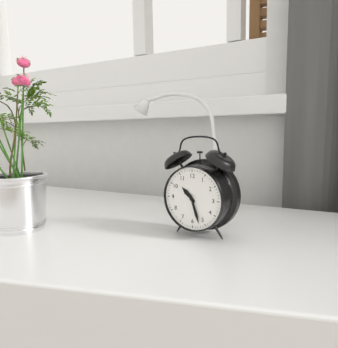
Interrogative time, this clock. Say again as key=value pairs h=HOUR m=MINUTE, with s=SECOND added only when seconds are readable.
h=10 m=27
